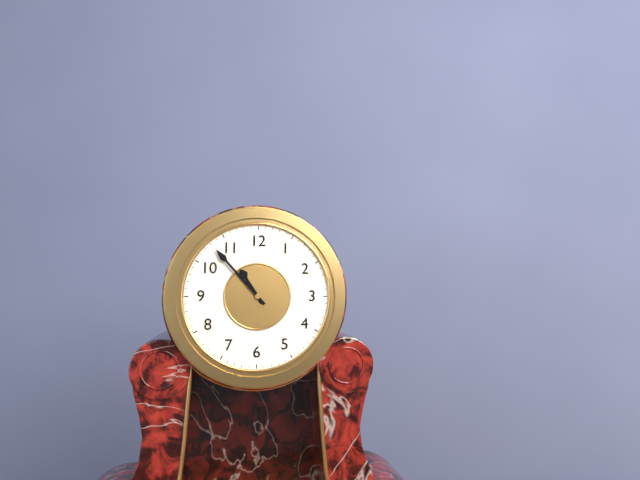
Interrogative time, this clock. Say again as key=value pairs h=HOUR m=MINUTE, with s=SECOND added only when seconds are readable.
h=10 m=53
